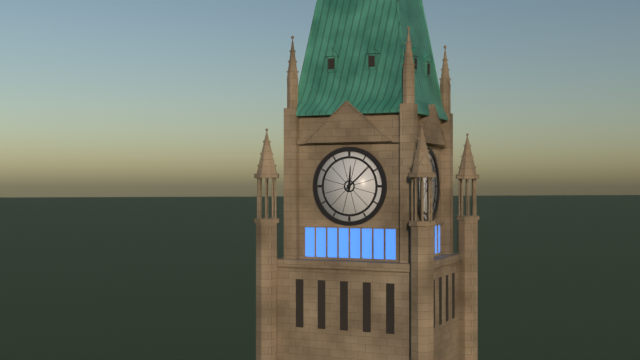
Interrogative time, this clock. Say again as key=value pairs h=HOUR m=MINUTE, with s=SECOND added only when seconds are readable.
h=12 m=8
